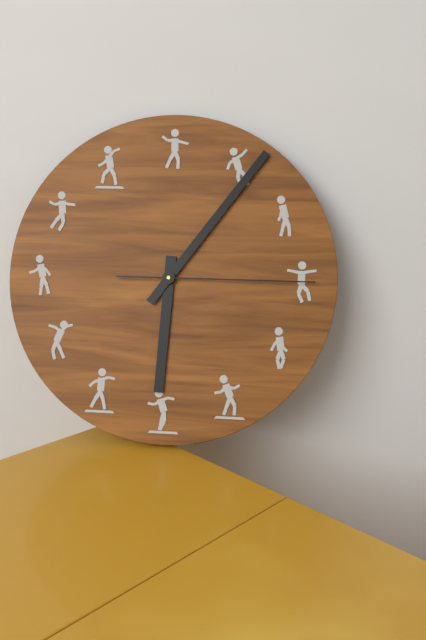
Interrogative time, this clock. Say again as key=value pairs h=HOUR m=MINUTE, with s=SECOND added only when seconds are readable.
h=6 m=6 s=15
